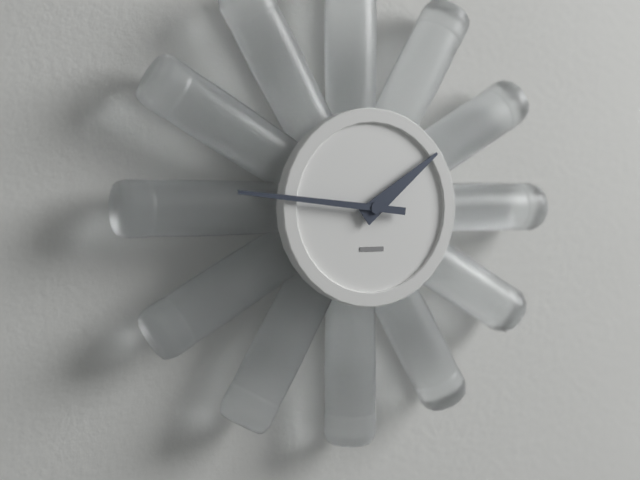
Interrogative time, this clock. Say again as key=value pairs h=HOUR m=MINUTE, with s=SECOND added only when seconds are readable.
h=1 m=46
